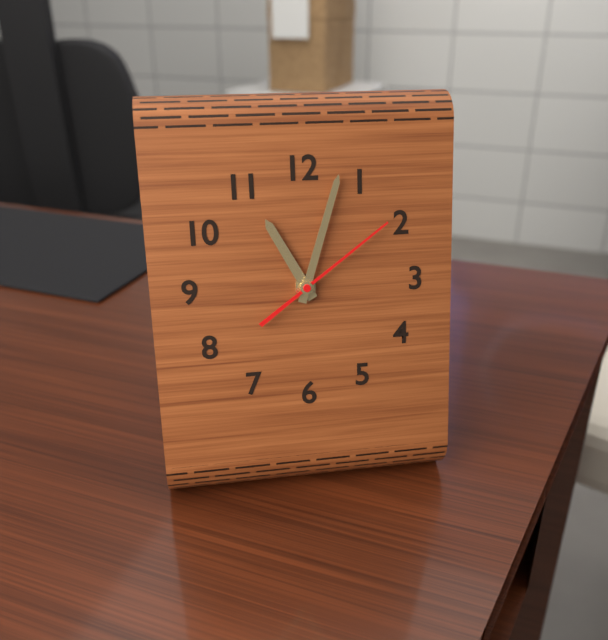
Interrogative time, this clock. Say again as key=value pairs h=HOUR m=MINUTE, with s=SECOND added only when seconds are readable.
h=11 m=3 s=9
